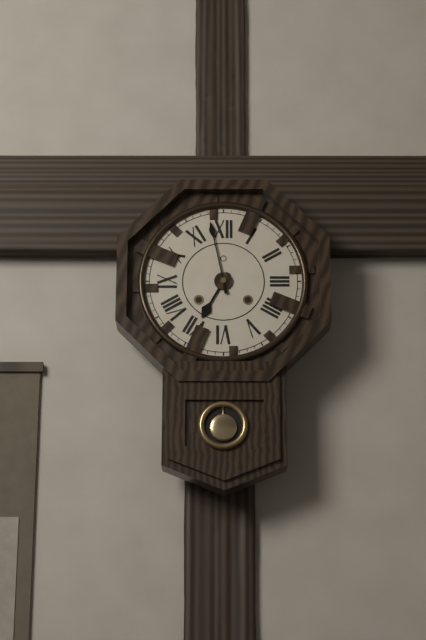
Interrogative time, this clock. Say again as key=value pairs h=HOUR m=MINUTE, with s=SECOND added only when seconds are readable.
h=6 m=58
